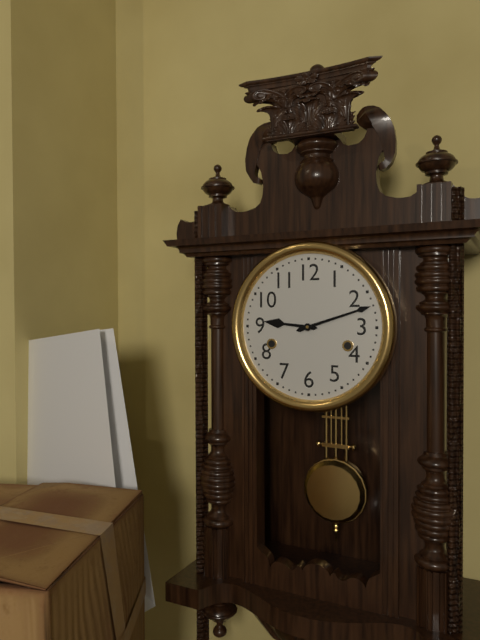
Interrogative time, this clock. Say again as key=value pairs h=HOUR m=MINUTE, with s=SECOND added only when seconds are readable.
h=9 m=12
